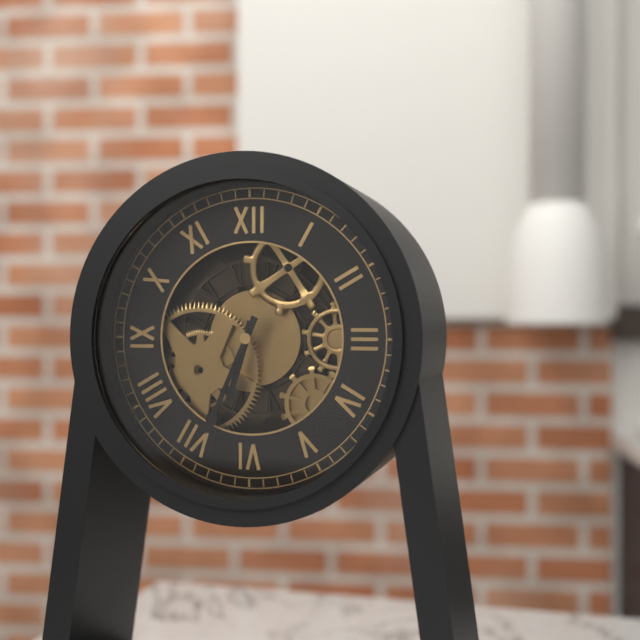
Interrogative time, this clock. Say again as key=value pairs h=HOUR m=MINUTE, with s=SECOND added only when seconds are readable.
h=6 m=34
